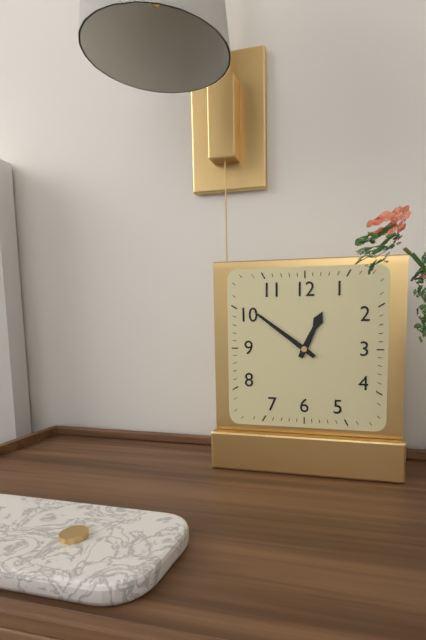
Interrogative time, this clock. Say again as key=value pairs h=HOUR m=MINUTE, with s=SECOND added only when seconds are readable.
h=12 m=51
